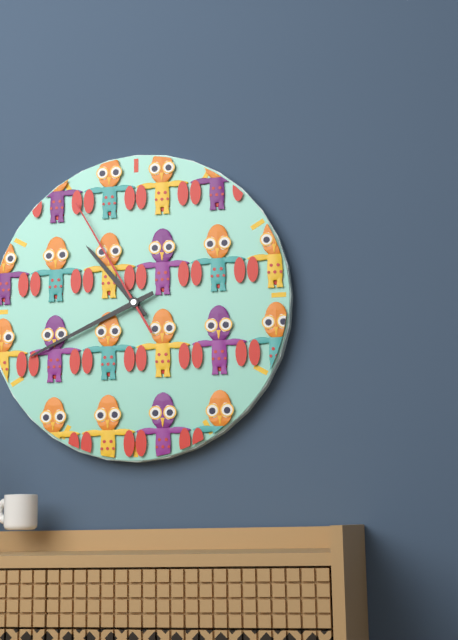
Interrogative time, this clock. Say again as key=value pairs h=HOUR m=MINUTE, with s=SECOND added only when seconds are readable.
h=10 m=41 s=55
